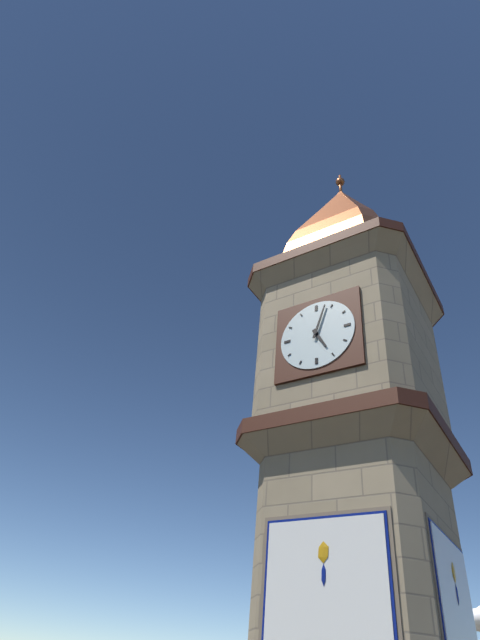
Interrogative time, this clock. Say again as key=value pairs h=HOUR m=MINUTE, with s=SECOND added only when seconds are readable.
h=5 m=3
